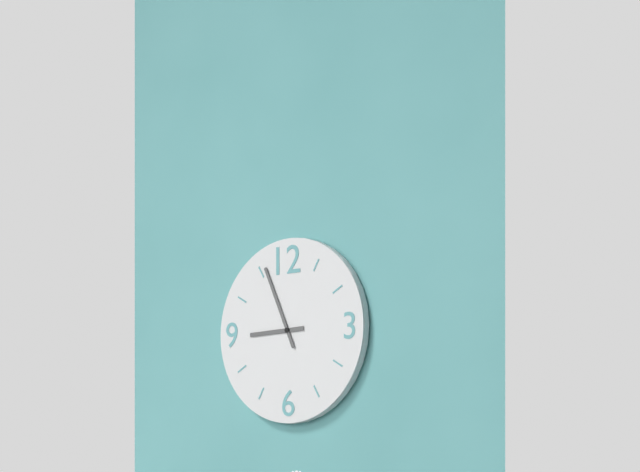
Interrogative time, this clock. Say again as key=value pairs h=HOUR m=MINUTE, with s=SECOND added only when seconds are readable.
h=8 m=56
